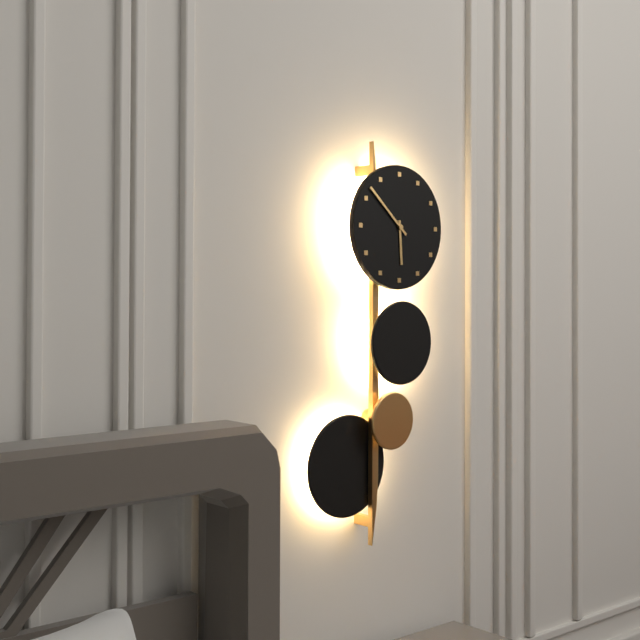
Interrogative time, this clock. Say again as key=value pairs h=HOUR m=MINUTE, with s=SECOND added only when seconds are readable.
h=5 m=52
